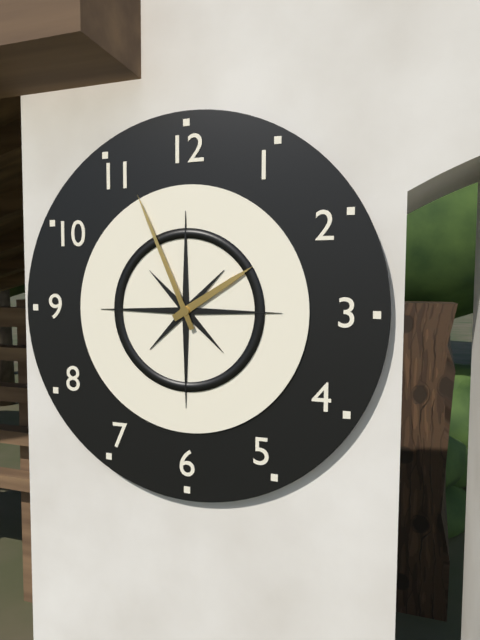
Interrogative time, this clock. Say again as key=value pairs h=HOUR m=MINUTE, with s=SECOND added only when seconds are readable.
h=1 m=56
